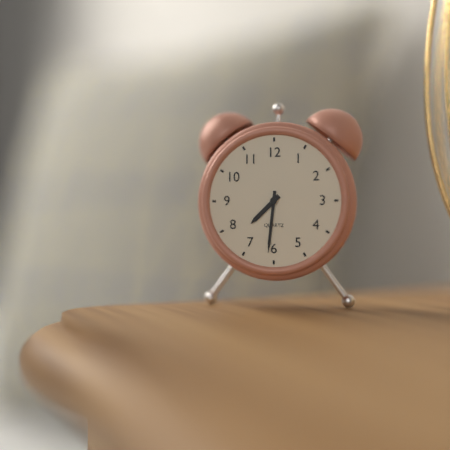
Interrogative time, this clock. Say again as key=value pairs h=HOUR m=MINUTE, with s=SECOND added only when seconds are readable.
h=7 m=31
